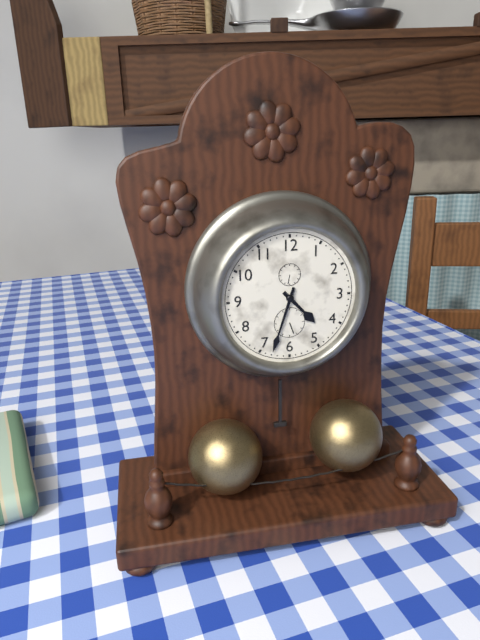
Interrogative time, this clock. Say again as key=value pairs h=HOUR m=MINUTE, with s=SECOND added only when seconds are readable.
h=4 m=33
